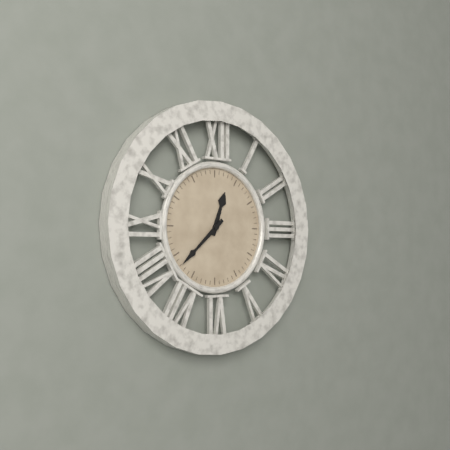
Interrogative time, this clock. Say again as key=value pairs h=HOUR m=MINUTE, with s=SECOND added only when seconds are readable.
h=12 m=38
